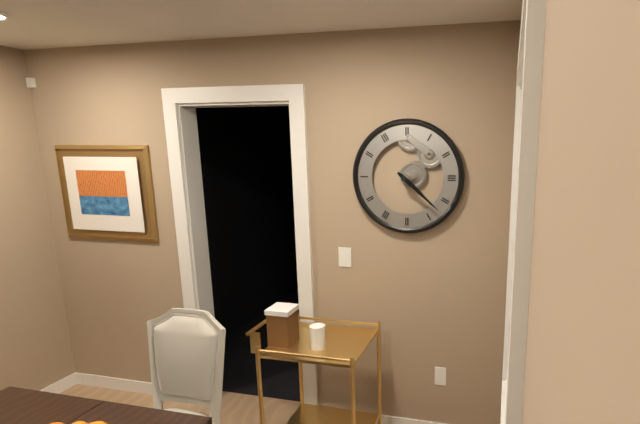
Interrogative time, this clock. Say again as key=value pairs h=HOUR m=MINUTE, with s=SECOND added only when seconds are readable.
h=4 m=22
